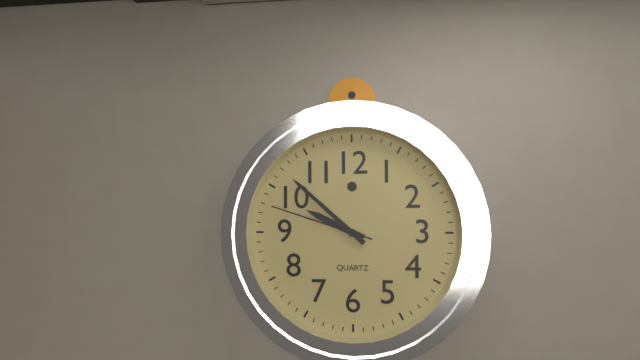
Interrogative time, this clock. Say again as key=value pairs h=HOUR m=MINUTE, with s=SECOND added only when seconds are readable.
h=9 m=52 s=48
